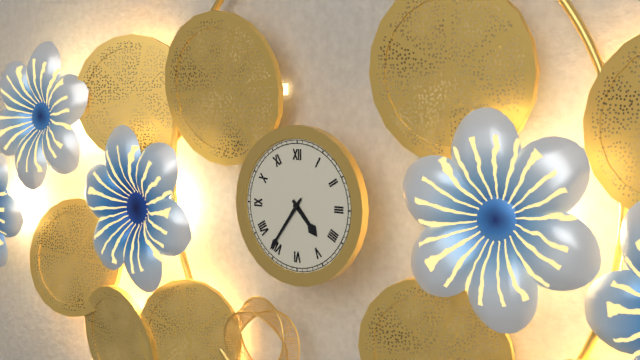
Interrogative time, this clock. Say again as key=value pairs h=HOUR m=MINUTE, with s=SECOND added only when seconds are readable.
h=4 m=36
